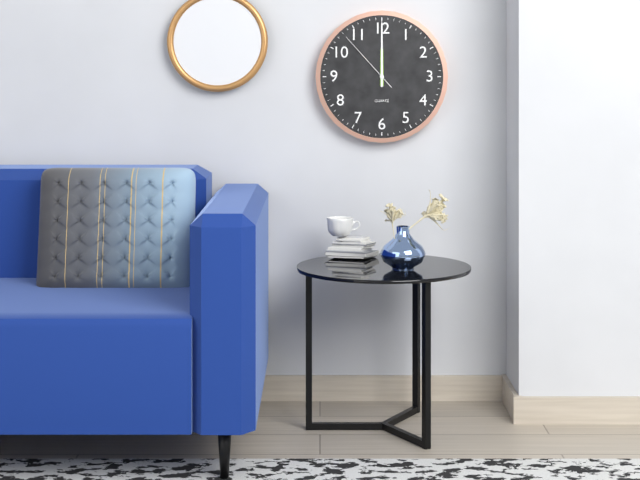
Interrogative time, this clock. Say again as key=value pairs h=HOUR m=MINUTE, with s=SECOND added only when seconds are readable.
h=12 m=0 s=53
